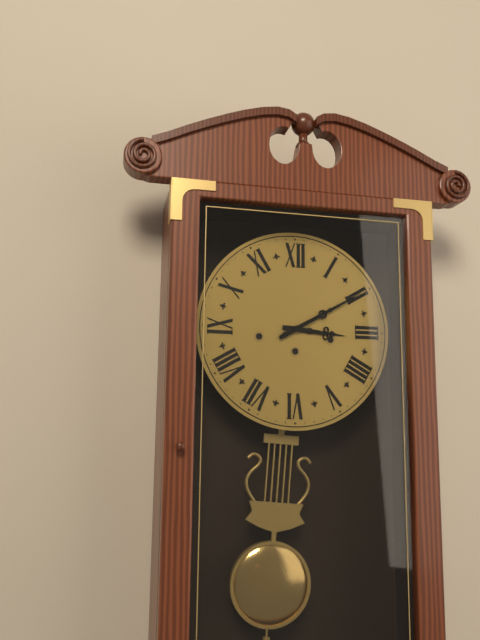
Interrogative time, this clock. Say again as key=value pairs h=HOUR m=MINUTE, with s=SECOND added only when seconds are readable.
h=3 m=10
